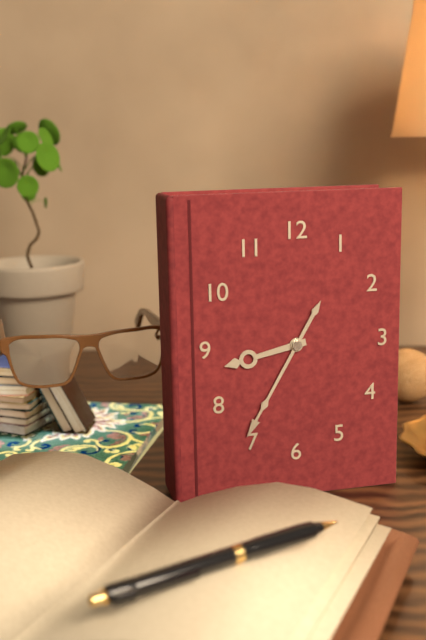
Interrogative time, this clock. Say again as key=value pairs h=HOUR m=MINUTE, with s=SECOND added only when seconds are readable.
h=8 m=35
